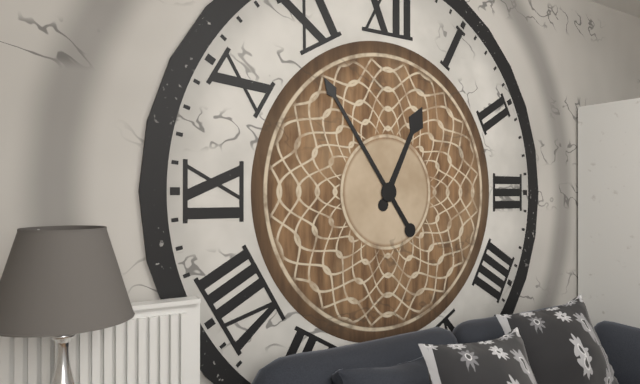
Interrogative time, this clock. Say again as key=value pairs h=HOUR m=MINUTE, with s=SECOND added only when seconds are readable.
h=12 m=54
